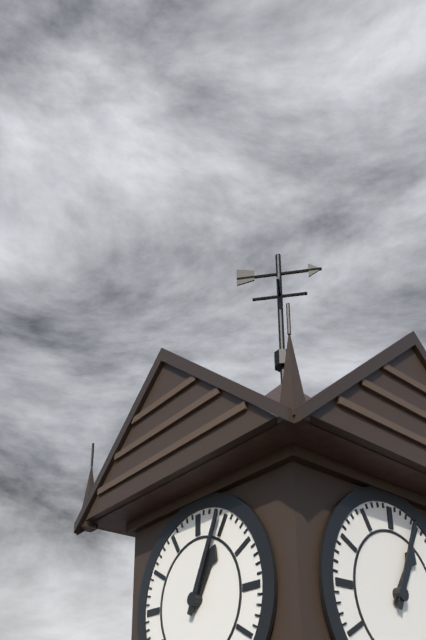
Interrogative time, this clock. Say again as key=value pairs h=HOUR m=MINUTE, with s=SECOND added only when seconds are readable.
h=1 m=4
